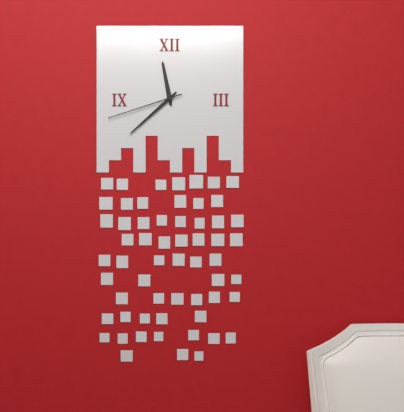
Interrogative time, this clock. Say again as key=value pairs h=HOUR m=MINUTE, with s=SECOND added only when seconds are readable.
h=11 m=38 s=42
